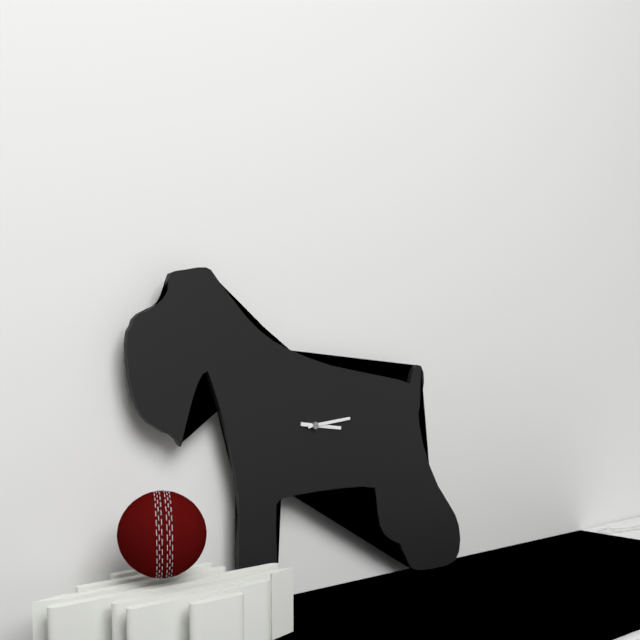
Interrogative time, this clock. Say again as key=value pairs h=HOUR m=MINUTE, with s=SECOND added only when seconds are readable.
h=3 m=14
